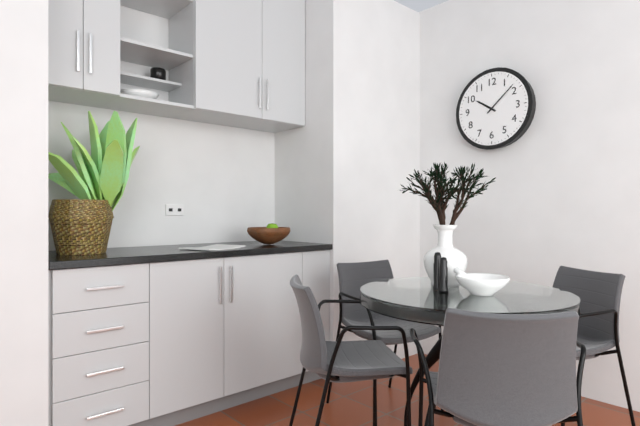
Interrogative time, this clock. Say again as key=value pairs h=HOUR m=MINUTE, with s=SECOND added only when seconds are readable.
h=10 m=8
